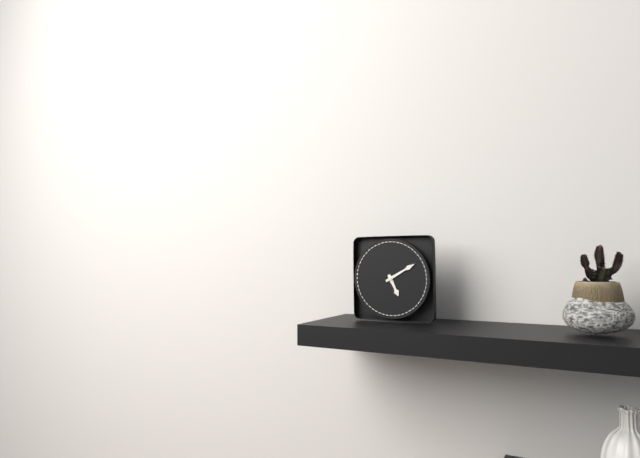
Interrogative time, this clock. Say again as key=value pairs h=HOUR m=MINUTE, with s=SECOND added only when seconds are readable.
h=5 m=10
